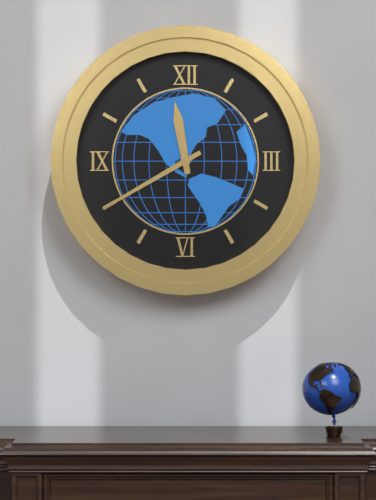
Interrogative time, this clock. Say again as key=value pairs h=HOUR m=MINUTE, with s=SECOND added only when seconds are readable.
h=11 m=40
